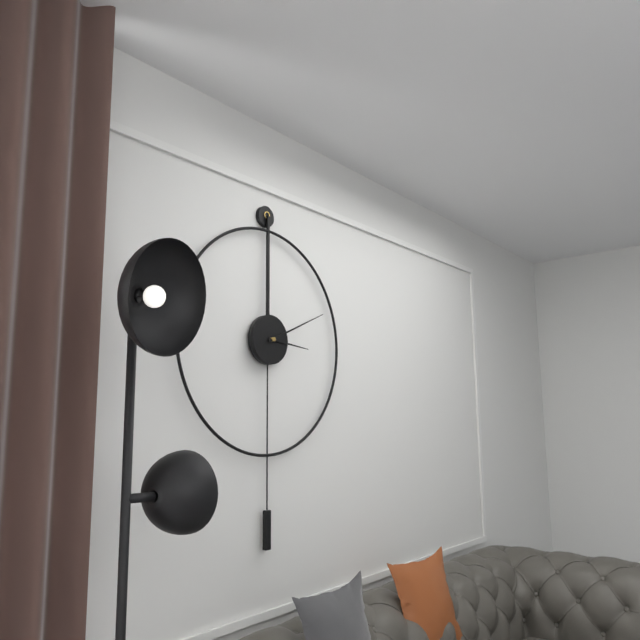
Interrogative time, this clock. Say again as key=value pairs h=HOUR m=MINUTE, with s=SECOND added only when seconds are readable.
h=3 m=11
